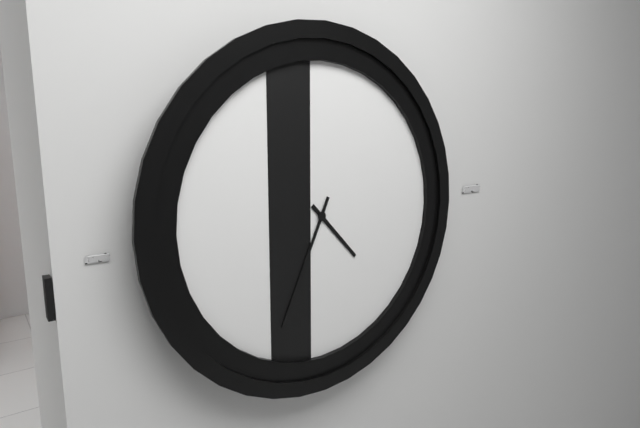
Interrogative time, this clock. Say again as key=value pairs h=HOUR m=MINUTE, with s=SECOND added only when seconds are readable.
h=4 m=34
